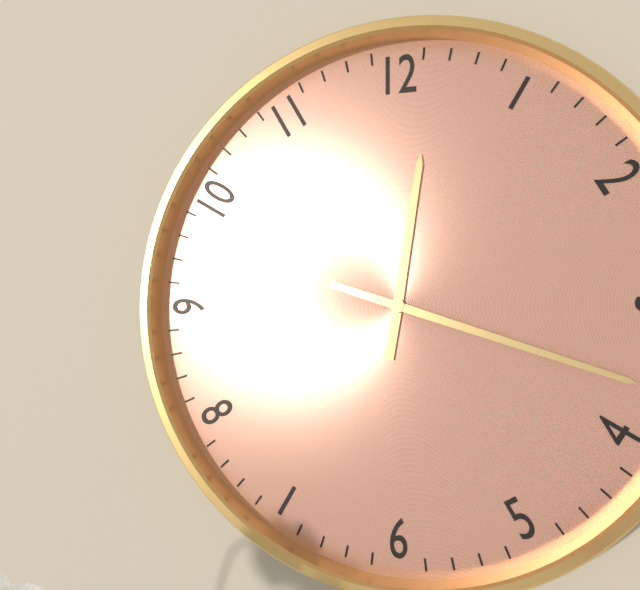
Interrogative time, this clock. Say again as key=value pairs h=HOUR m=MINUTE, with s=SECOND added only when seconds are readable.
h=12 m=18
